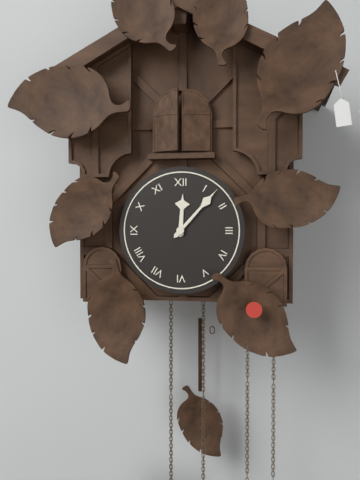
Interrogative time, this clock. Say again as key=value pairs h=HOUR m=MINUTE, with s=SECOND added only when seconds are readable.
h=12 m=7
